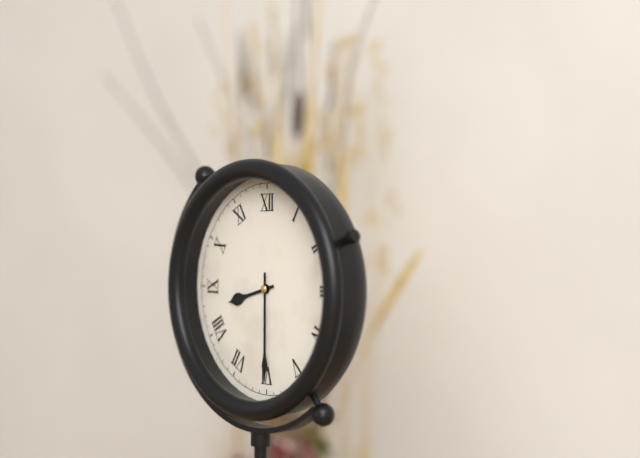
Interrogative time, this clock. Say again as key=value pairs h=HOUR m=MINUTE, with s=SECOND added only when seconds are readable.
h=8 m=30
